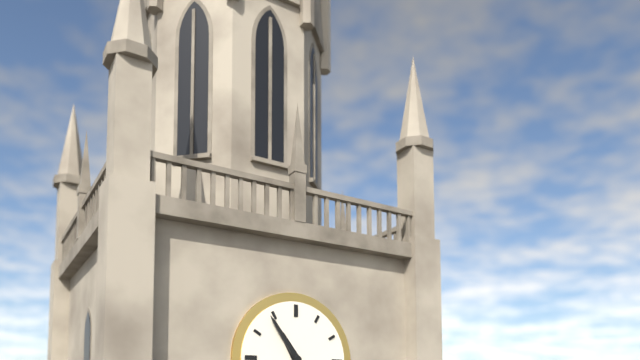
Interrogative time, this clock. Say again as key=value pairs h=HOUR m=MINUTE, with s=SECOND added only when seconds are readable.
h=10 m=54
